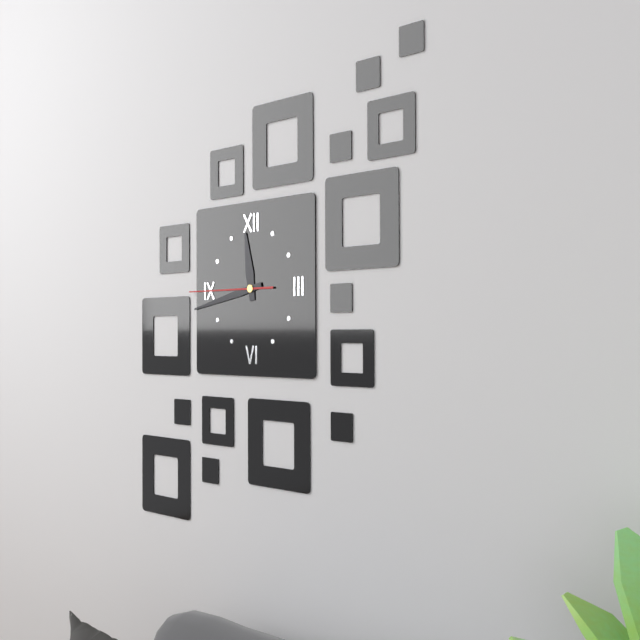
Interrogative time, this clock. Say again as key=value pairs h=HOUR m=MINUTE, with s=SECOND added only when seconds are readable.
h=11 m=43 s=45
